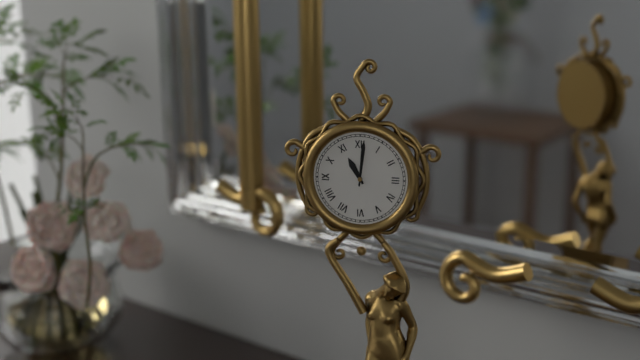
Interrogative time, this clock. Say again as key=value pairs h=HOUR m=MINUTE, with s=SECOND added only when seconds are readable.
h=11 m=1
